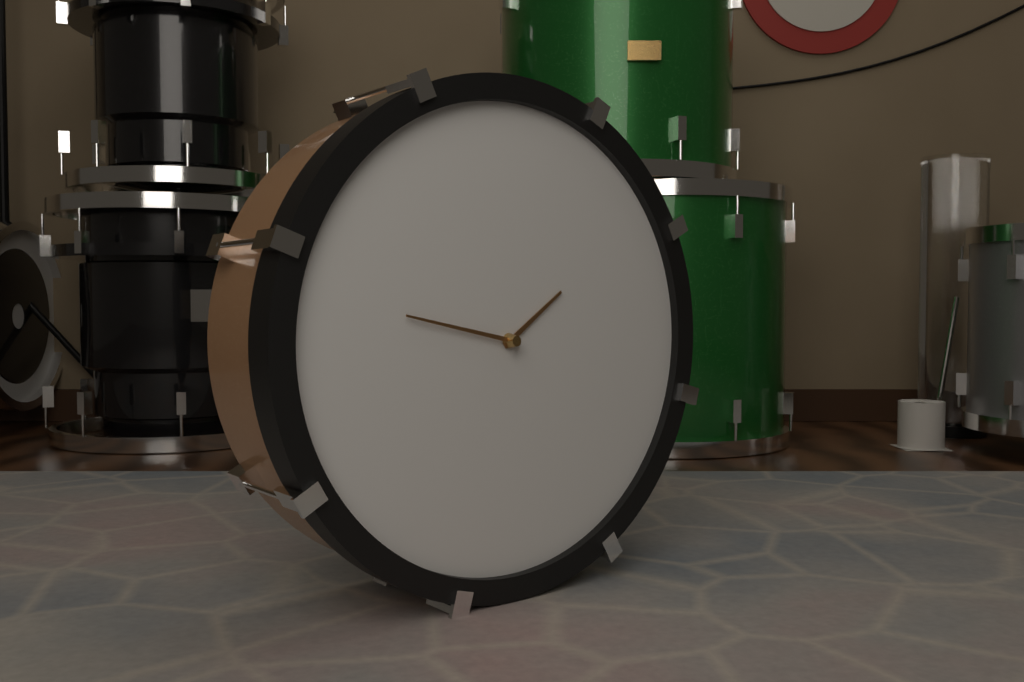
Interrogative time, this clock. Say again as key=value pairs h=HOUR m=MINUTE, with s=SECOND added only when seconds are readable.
h=1 m=47
